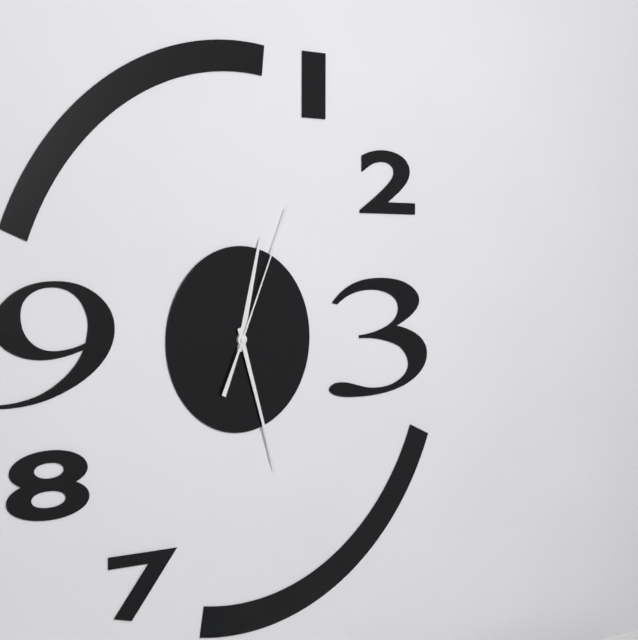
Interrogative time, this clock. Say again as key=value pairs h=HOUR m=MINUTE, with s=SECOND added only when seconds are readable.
h=12 m=27 s=4
